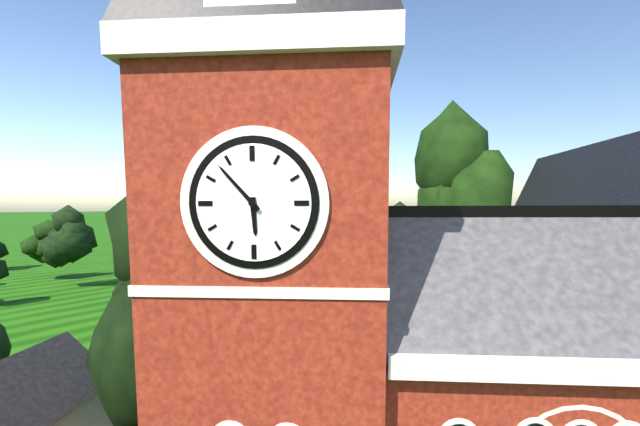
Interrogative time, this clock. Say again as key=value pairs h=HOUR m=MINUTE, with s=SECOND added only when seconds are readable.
h=5 m=53
